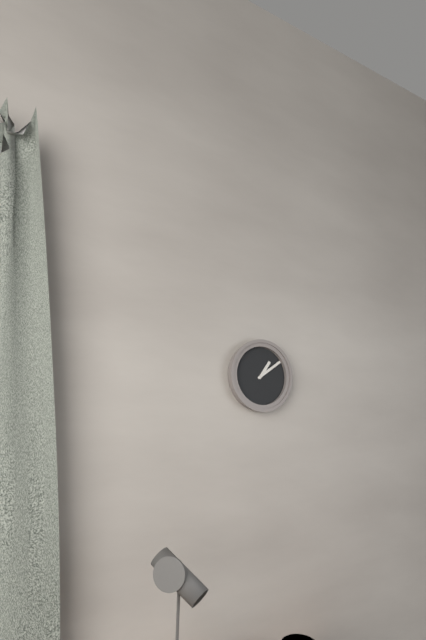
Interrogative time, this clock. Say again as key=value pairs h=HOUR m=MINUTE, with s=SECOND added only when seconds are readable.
h=1 m=9
